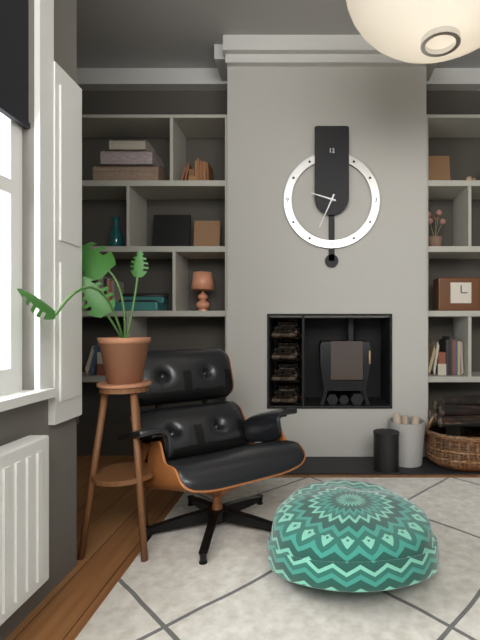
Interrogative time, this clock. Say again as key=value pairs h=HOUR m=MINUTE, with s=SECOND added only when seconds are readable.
h=9 m=34
